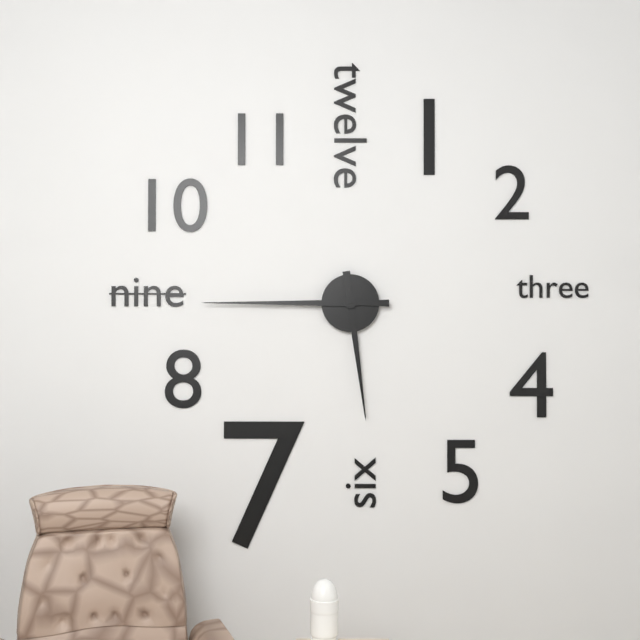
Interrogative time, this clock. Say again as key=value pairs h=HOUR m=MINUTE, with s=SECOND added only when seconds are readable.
h=5 m=45
